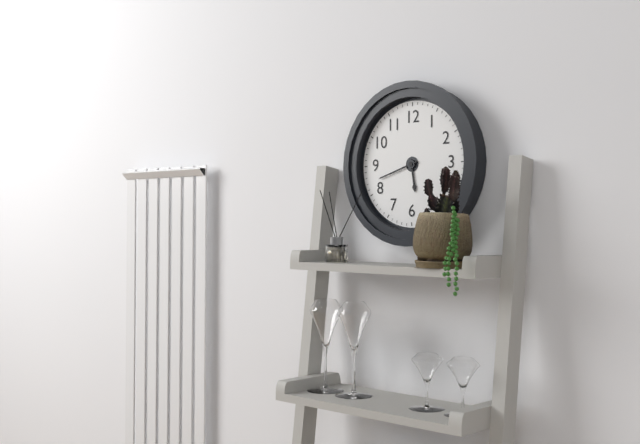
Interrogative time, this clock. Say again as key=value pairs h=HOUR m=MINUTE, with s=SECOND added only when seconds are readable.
h=5 m=42
